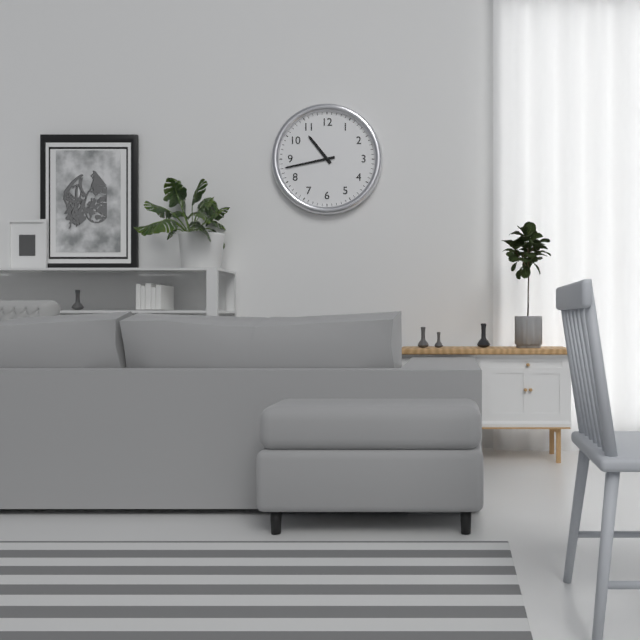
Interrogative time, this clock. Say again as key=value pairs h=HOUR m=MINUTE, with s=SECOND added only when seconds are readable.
h=10 m=43
